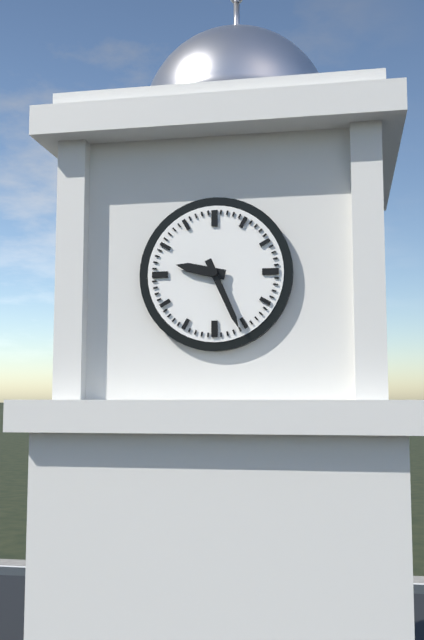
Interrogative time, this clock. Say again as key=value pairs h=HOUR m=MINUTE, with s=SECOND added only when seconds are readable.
h=9 m=26
